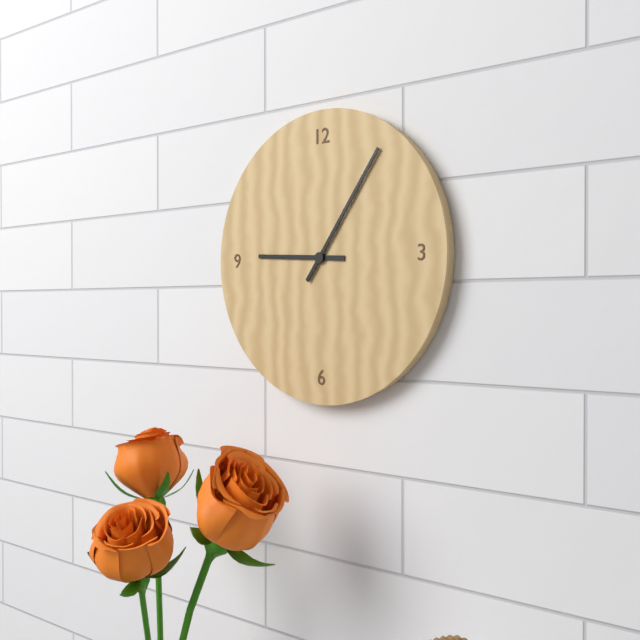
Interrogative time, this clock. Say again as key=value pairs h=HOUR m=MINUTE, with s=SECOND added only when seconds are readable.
h=9 m=6
